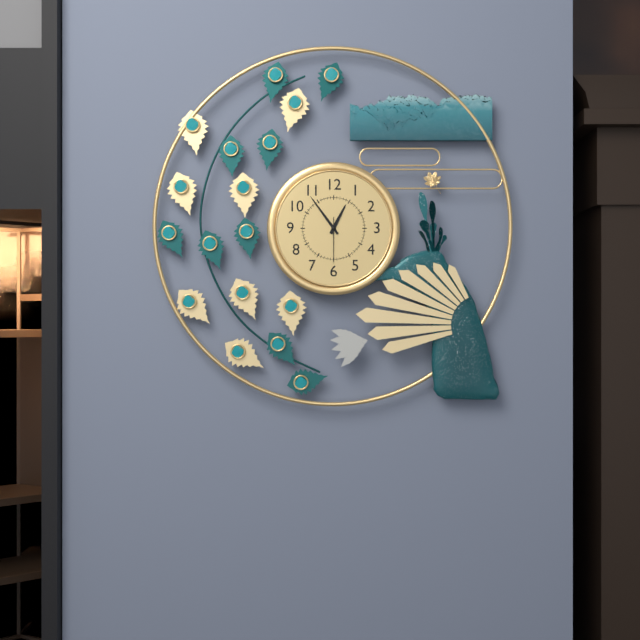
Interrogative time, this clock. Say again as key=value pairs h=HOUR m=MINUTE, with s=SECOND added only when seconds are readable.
h=12 m=54
